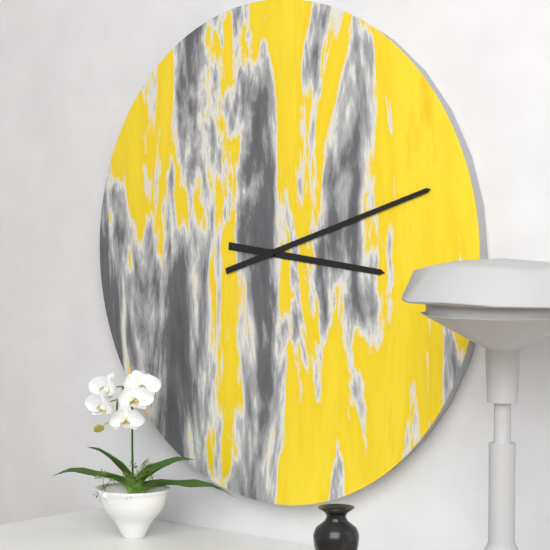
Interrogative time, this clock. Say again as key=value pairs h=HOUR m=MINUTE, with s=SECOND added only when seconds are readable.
h=3 m=12
